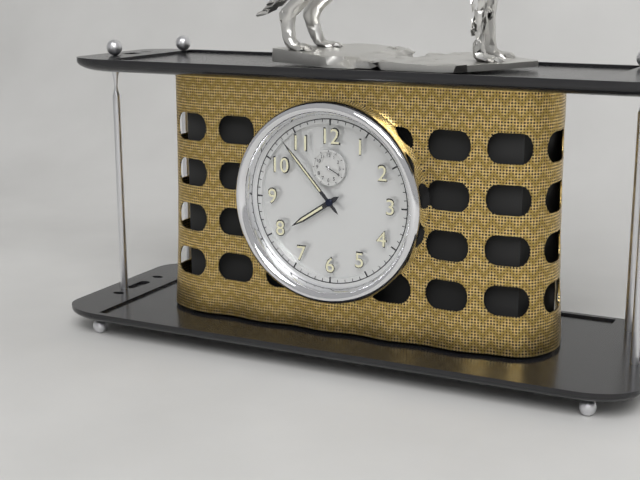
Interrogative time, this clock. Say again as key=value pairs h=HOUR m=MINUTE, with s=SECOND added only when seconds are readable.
h=7 m=53
